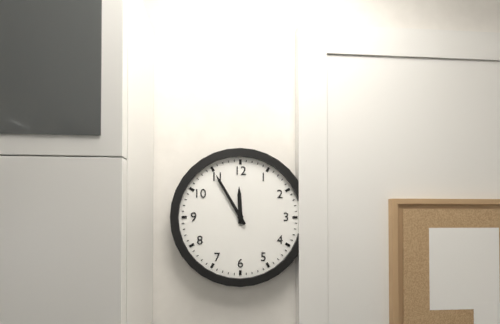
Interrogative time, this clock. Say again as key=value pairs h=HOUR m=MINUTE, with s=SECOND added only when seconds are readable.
h=11 m=55
